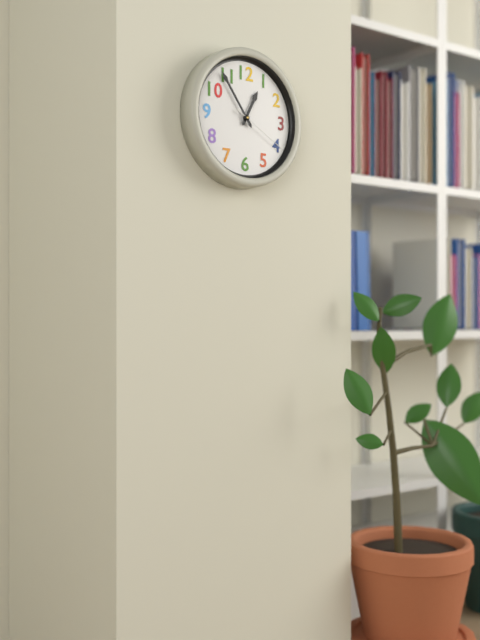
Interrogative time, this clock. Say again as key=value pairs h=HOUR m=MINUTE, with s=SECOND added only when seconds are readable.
h=12 m=54 s=20
